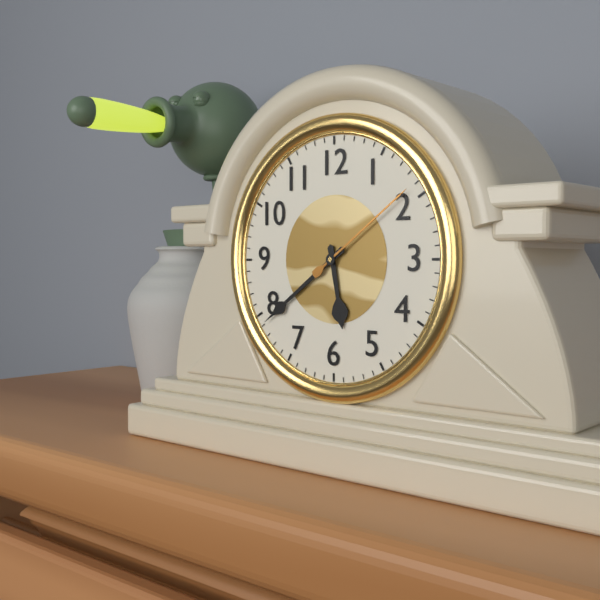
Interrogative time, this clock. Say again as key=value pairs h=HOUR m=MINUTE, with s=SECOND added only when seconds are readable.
h=5 m=39 s=9
